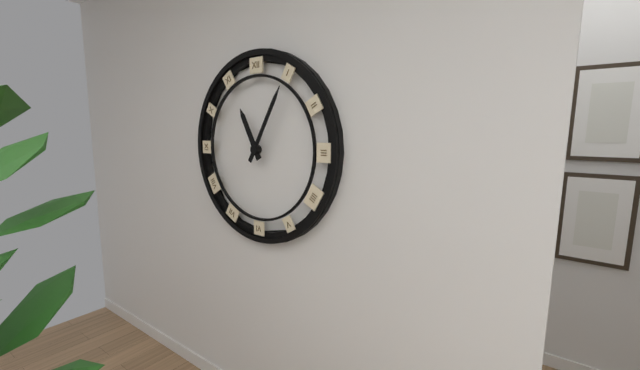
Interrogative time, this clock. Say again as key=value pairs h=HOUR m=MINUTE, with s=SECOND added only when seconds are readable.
h=11 m=5
